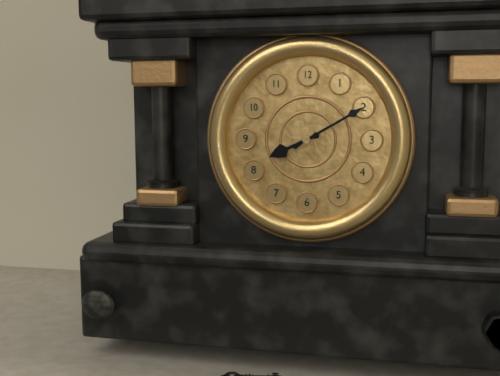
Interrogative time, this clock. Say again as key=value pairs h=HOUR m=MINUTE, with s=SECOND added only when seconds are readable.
h=8 m=10
